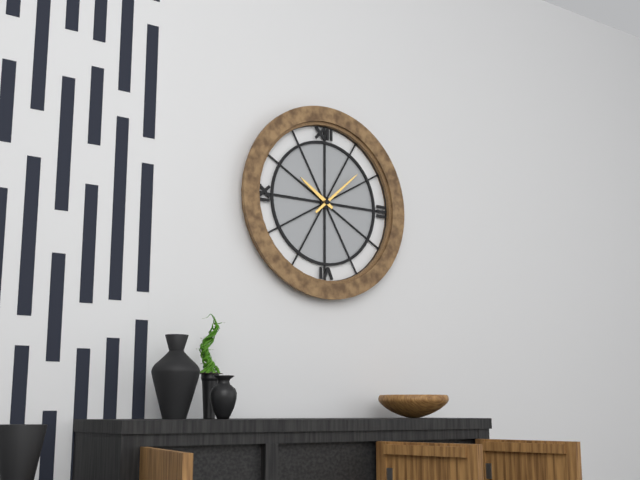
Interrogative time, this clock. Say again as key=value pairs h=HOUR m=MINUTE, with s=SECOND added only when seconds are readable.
h=10 m=8
